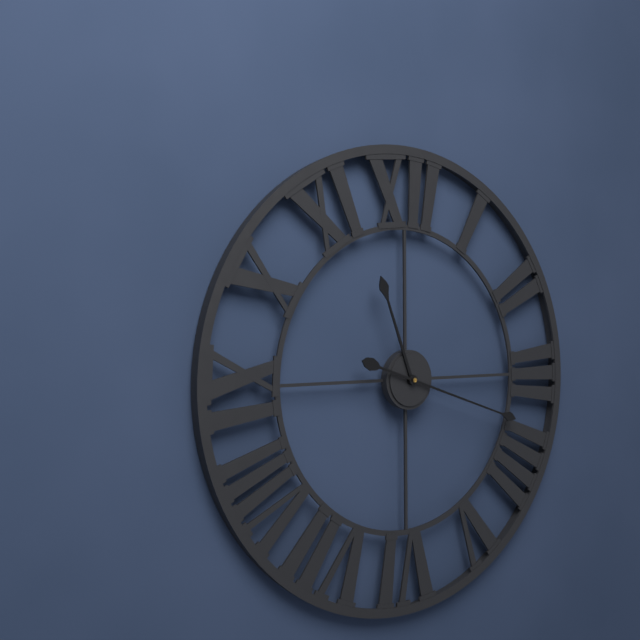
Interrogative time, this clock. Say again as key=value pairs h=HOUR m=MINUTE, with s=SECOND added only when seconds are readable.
h=11 m=18
